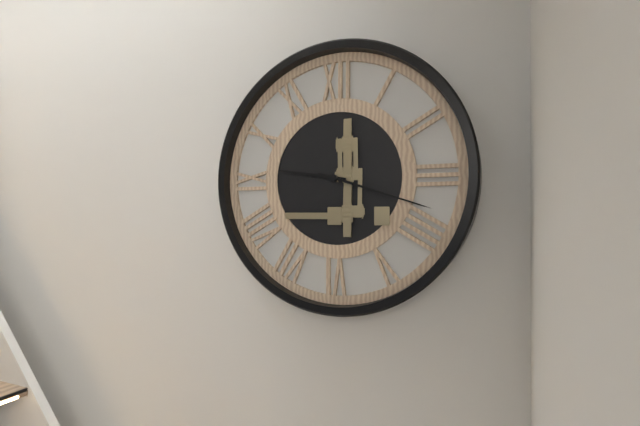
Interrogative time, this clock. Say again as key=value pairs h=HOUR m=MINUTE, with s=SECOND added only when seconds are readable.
h=9 m=18
